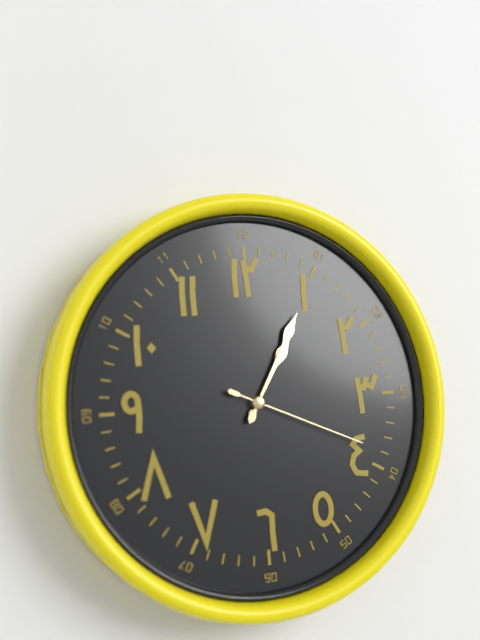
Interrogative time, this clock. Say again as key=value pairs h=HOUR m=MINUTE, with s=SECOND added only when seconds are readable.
h=1 m=5 s=19
